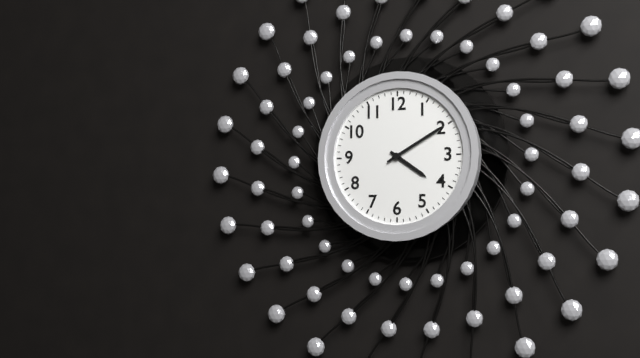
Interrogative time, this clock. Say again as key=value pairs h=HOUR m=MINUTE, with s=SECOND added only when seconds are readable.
h=4 m=10
